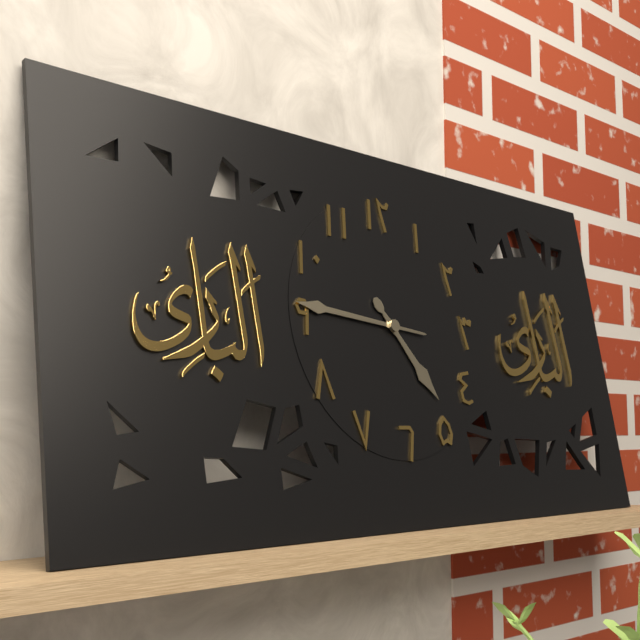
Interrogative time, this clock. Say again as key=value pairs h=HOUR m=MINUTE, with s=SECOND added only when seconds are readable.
h=4 m=46
